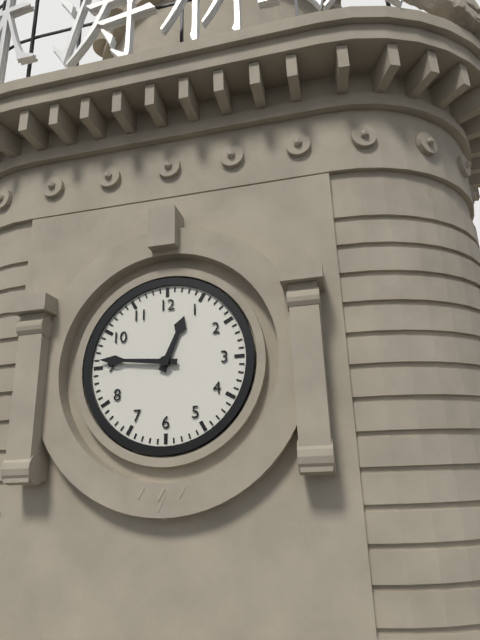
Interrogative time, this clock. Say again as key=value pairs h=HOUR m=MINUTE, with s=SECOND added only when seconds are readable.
h=12 m=46
